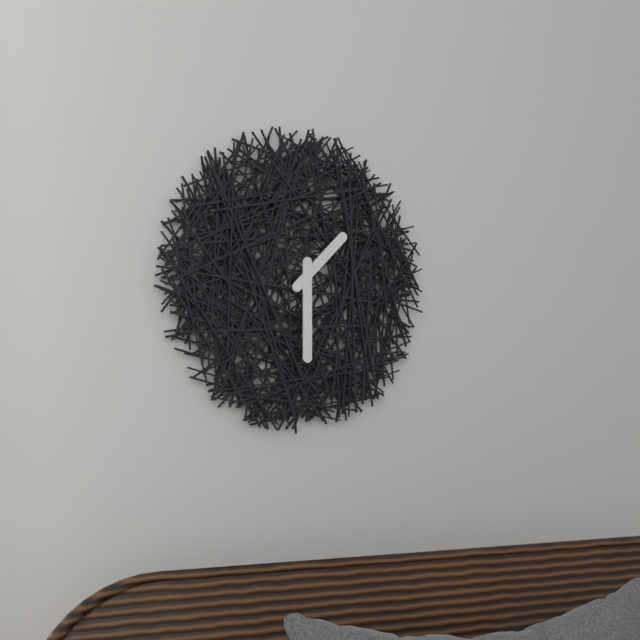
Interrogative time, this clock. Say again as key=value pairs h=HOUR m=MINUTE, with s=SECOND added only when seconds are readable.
h=1 m=30
